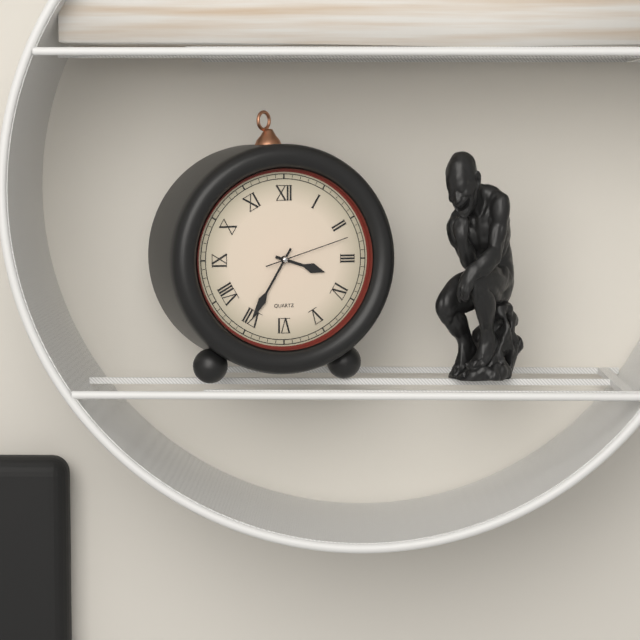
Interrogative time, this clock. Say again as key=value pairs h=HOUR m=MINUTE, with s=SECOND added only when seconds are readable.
h=3 m=35 s=12
